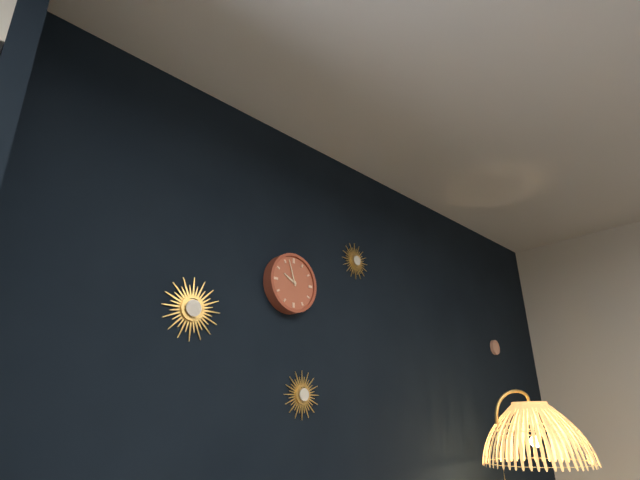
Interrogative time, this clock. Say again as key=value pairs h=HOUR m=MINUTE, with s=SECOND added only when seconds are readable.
h=9 m=57
